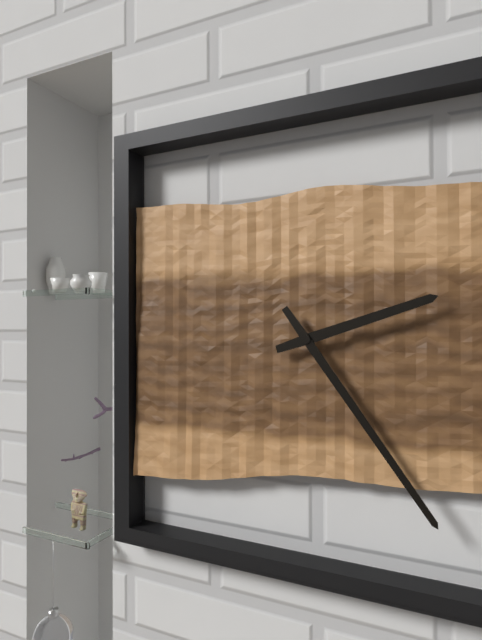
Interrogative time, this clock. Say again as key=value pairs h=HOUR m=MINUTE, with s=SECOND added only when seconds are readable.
h=2 m=24
